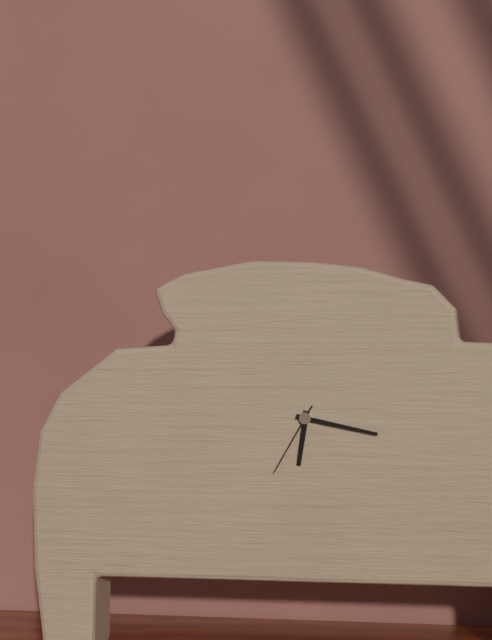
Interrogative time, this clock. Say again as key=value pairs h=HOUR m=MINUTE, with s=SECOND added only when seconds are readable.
h=6 m=17 s=35
